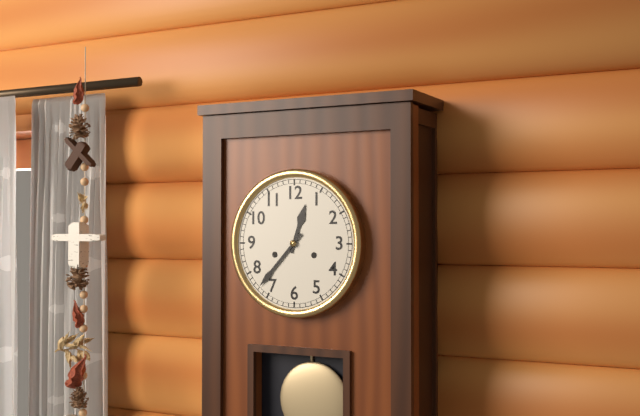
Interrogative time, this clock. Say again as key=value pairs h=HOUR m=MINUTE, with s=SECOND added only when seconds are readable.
h=12 m=37
